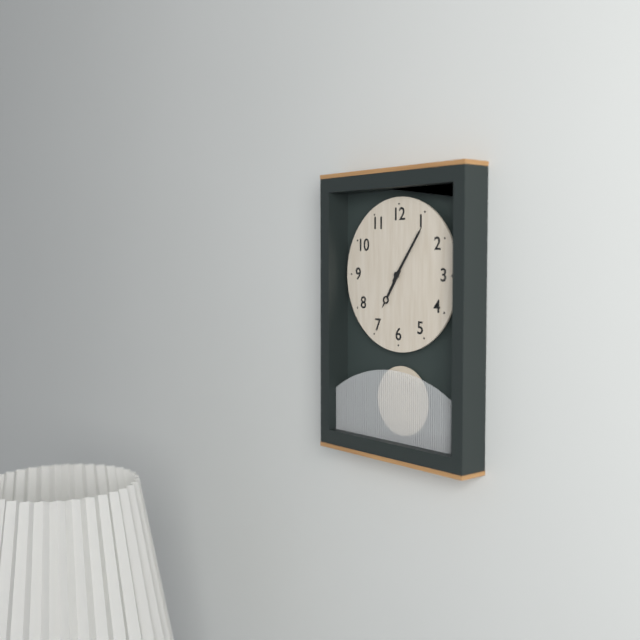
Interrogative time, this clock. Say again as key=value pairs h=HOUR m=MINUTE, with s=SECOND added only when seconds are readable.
h=7 m=6
